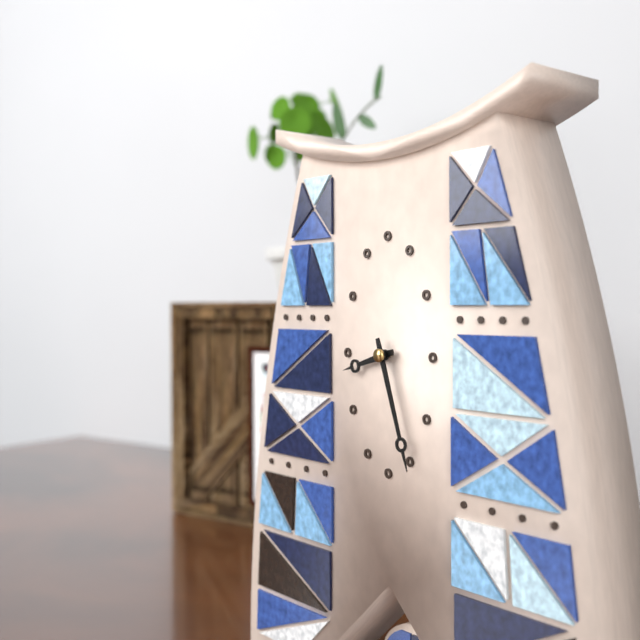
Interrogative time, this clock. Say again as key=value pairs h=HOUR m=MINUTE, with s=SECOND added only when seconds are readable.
h=8 m=27
